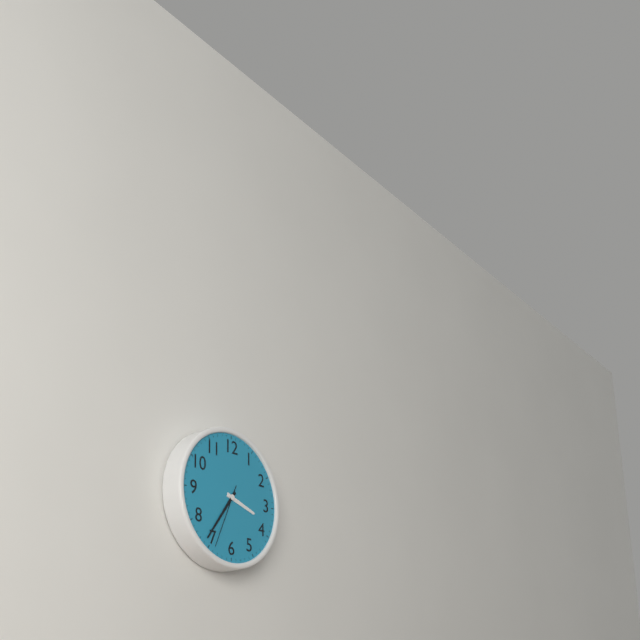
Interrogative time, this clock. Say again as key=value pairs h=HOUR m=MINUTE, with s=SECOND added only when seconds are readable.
h=3 m=36 s=34
